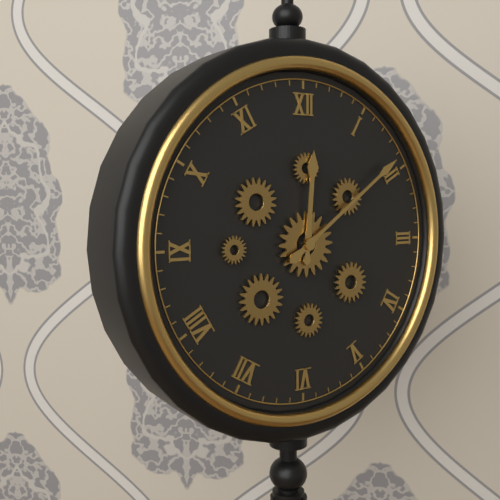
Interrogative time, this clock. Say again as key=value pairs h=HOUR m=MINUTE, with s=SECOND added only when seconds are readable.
h=12 m=9
